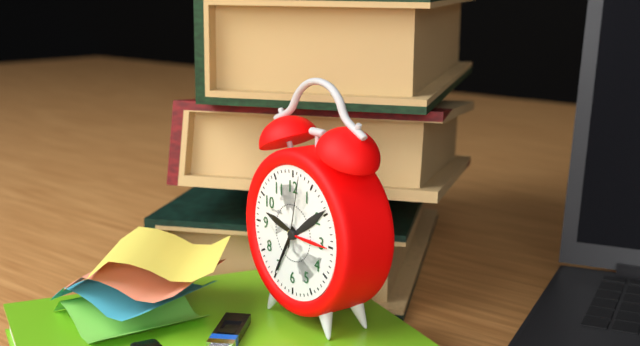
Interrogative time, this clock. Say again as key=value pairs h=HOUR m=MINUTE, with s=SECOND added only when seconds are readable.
h=9 m=35 s=2
